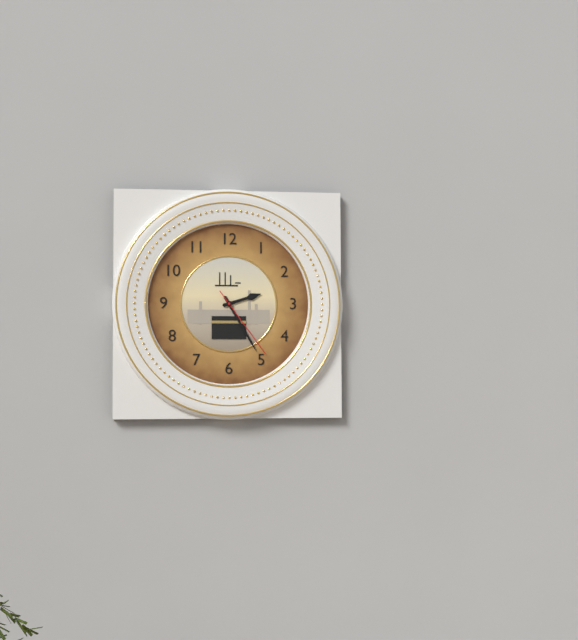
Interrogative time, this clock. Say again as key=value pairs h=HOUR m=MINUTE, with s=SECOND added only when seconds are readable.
h=2 m=25 s=24
